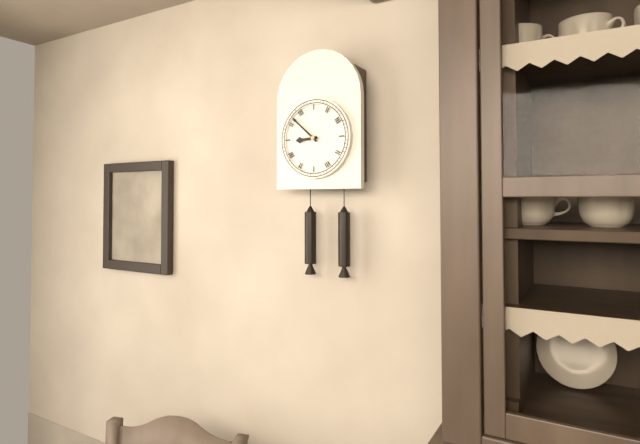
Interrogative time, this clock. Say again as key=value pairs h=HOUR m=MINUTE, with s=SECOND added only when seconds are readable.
h=8 m=52
